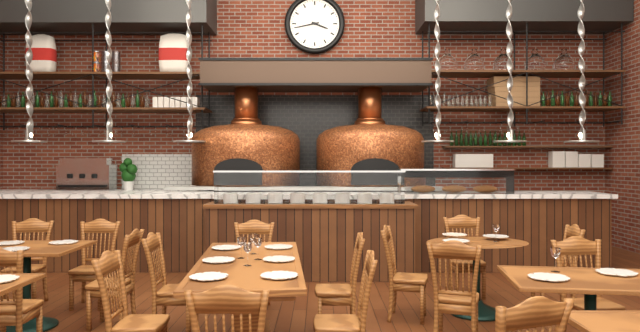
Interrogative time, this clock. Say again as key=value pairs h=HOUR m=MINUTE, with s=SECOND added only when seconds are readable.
h=3 m=43
